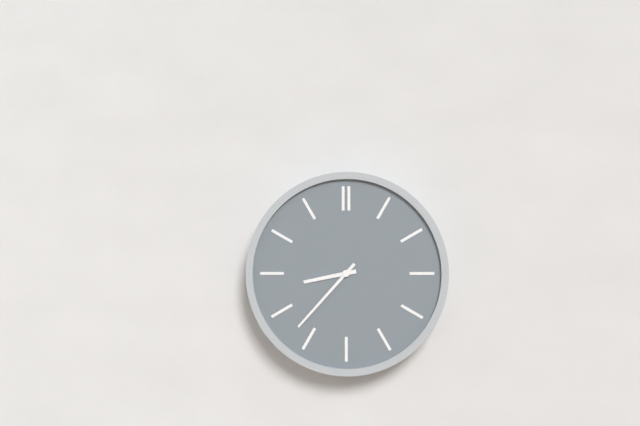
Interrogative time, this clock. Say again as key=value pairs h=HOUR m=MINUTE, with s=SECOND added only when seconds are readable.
h=8 m=37
